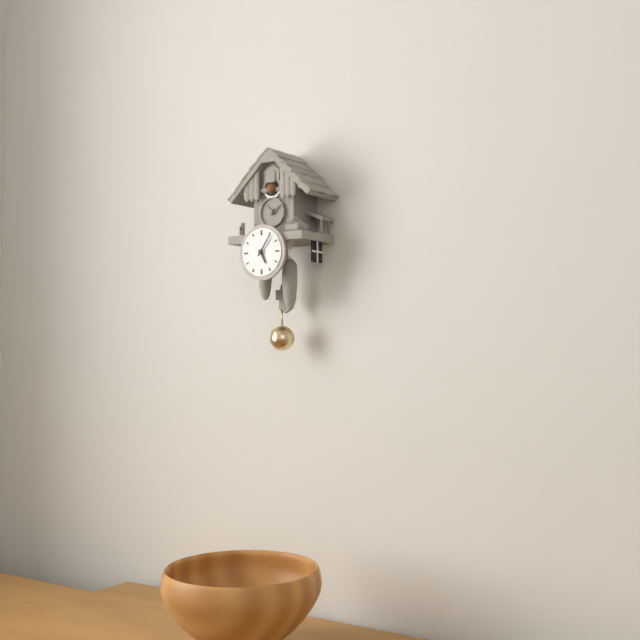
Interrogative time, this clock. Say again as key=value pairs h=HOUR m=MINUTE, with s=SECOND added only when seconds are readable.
h=5 m=6
